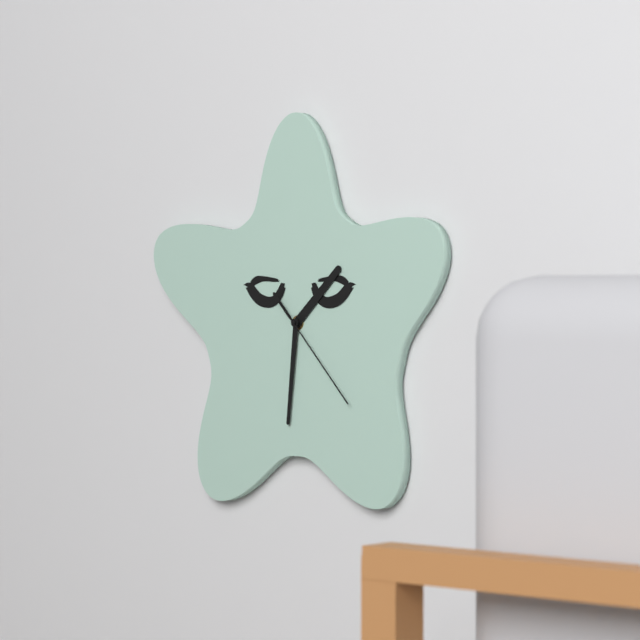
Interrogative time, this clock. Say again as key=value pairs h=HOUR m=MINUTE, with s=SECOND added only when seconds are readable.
h=1 m=31 s=23
